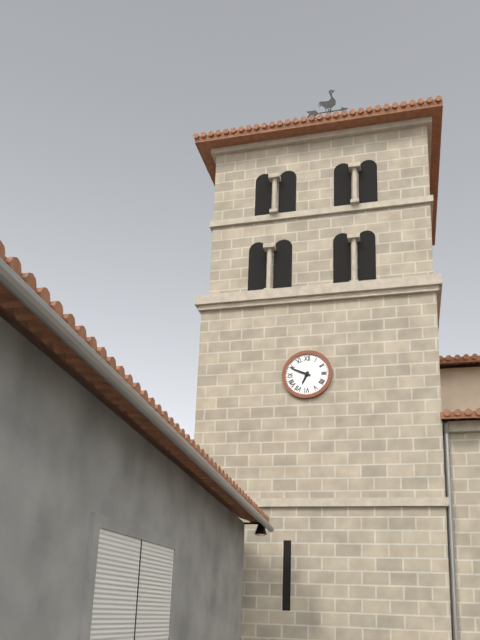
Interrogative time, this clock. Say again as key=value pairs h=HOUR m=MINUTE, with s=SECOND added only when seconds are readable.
h=6 m=49
